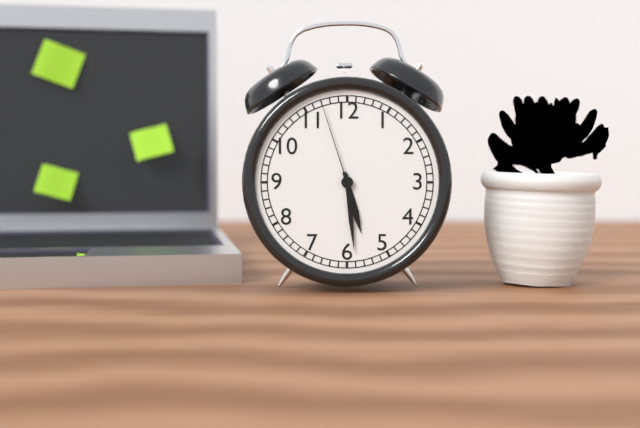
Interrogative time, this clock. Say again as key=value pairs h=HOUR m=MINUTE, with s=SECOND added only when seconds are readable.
h=5 m=29 s=57
